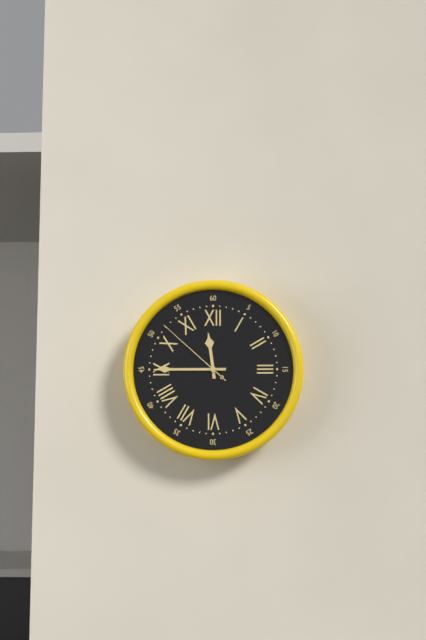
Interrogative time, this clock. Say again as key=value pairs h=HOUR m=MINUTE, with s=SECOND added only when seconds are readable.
h=11 m=45 s=52
